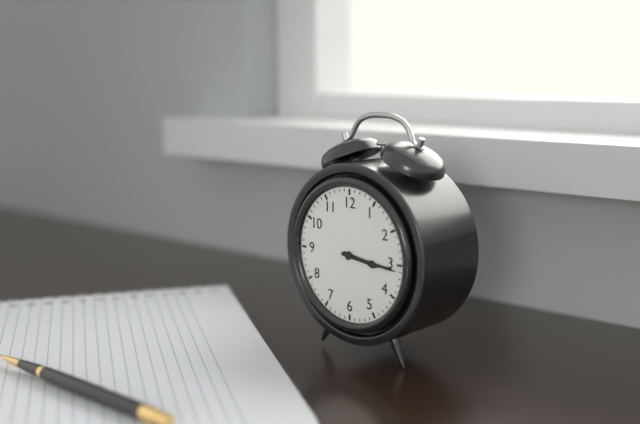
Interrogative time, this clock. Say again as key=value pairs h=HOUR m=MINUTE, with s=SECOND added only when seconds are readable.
h=3 m=16
